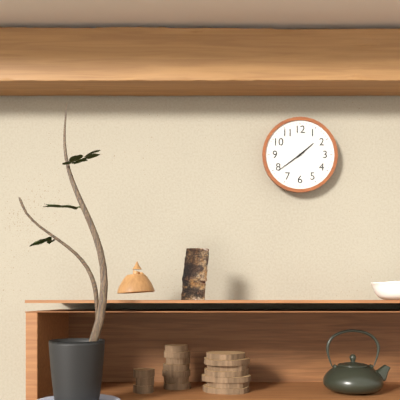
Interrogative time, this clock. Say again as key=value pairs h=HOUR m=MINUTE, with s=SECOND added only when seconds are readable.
h=1 m=39
